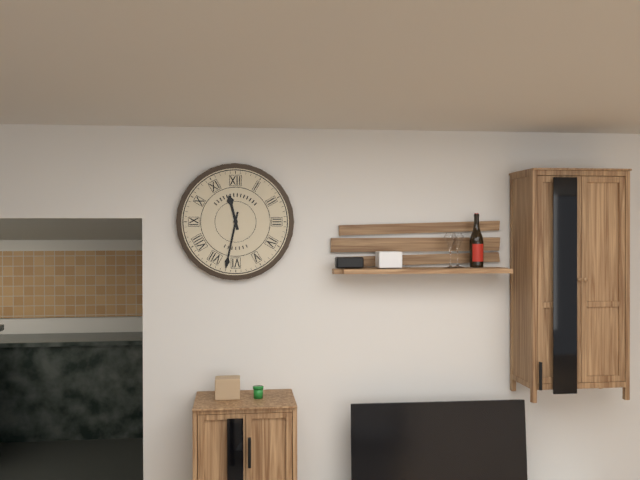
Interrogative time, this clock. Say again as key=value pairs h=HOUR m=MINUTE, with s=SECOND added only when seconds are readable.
h=11 m=32
